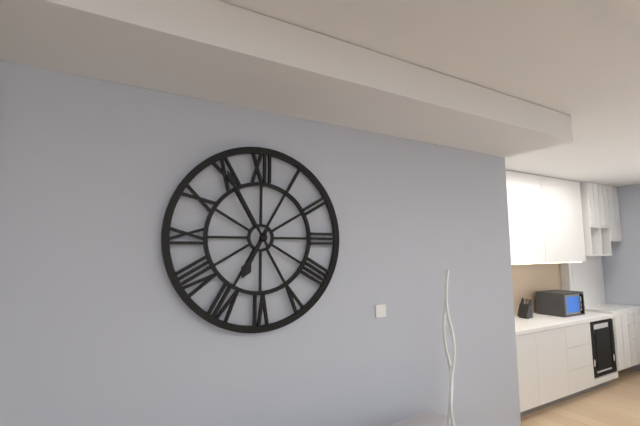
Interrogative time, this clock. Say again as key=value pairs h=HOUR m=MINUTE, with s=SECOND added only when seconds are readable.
h=6 m=55
